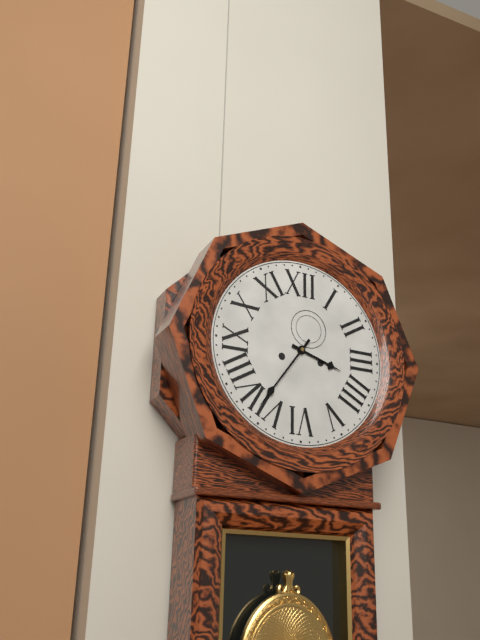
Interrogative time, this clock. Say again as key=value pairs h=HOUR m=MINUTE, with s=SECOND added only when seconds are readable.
h=3 m=36
